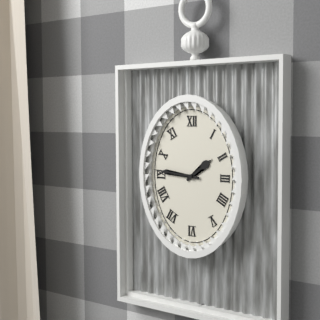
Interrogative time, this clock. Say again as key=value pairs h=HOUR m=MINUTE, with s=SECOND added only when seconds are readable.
h=1 m=46
